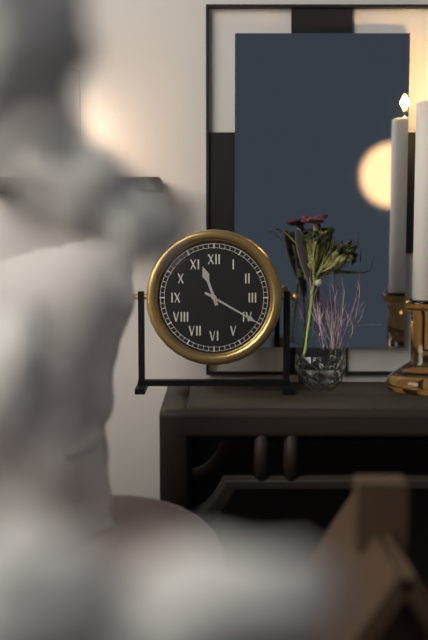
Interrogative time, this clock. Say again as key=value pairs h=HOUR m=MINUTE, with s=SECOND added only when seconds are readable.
h=11 m=20
